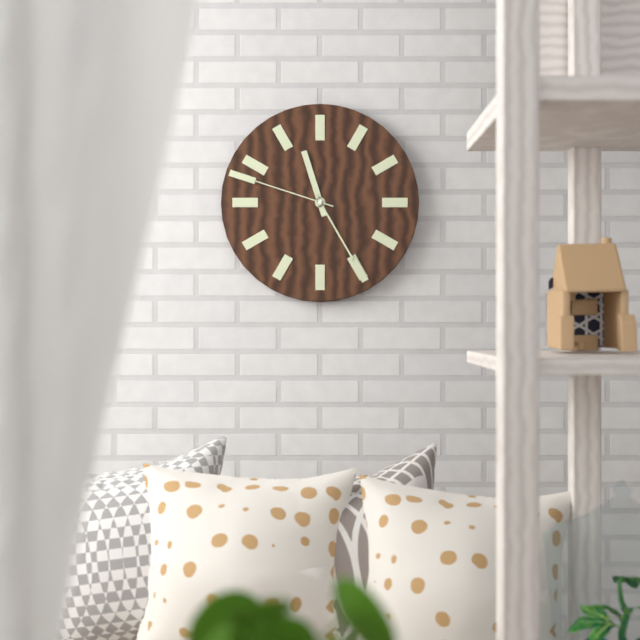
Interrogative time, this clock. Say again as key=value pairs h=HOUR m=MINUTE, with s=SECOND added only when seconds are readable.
h=11 m=25 s=48
